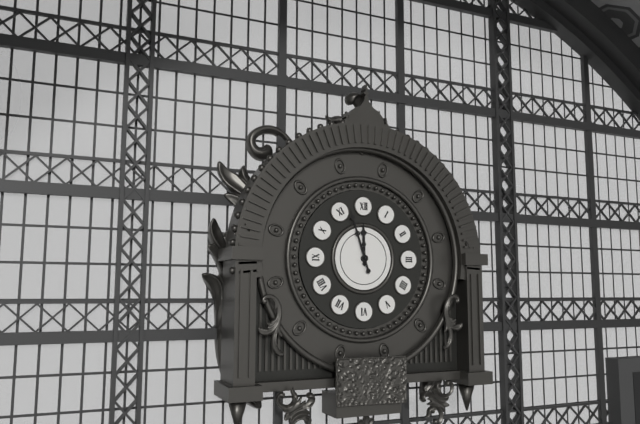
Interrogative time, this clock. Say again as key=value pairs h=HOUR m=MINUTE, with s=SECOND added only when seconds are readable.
h=11 m=57
